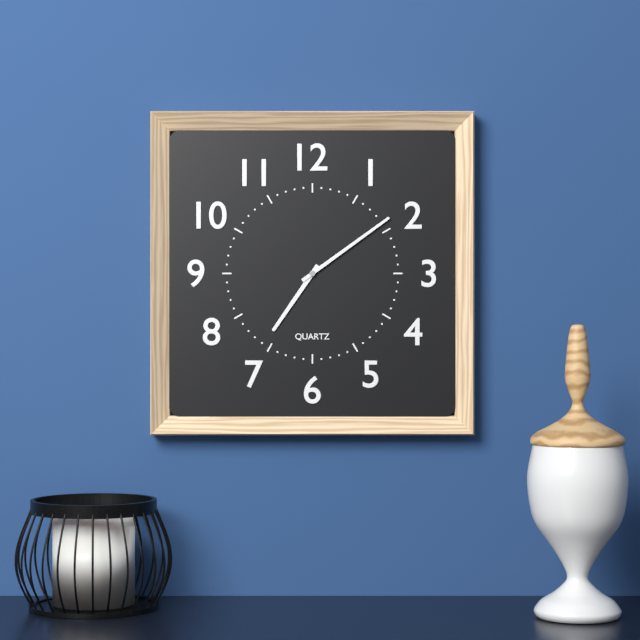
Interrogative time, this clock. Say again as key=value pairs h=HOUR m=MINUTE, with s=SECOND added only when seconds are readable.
h=7 m=9
